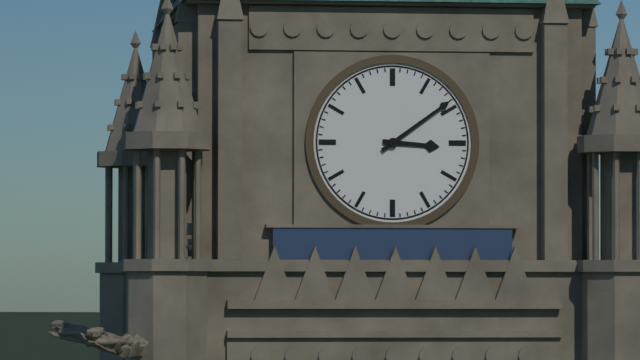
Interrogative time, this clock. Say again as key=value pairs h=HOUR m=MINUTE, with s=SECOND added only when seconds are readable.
h=3 m=9
